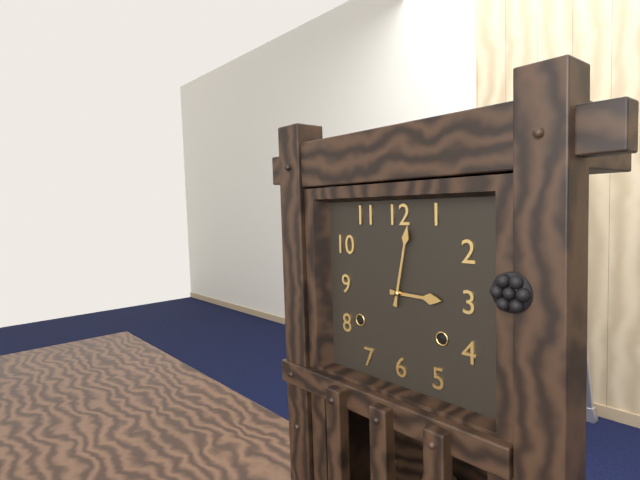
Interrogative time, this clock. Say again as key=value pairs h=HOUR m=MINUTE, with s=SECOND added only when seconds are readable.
h=3 m=2
